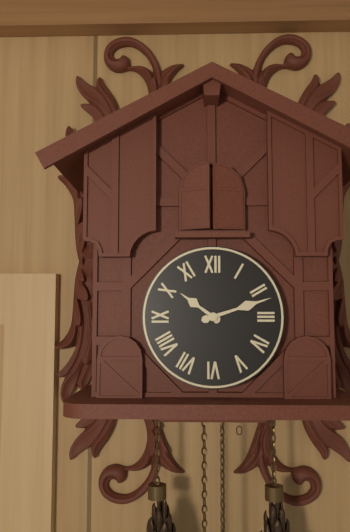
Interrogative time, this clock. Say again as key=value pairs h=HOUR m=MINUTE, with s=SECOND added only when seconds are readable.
h=10 m=12
